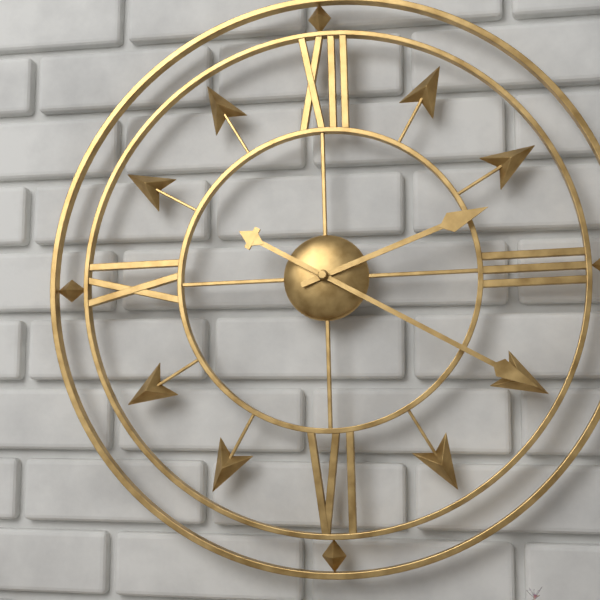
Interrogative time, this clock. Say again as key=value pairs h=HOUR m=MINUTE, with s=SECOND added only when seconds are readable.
h=2 m=20
